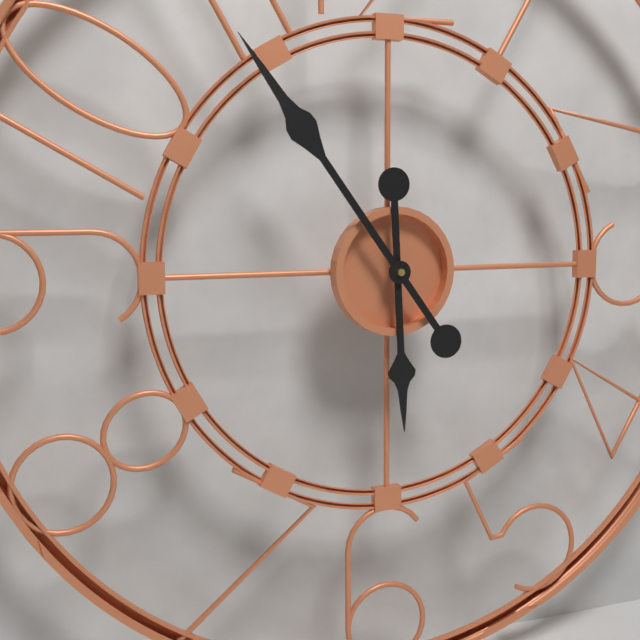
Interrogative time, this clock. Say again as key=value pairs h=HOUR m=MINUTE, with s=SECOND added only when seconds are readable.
h=5 m=54
